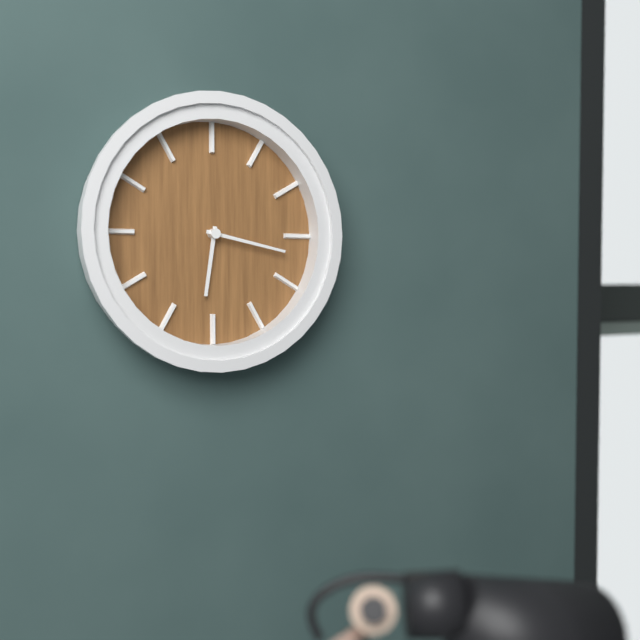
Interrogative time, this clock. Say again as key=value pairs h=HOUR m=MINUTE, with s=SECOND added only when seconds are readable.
h=6 m=17
